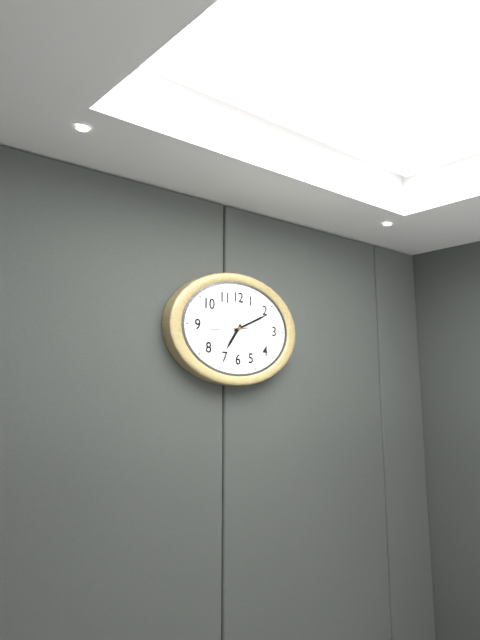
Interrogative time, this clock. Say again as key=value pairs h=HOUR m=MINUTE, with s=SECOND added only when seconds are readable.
h=7 m=11
